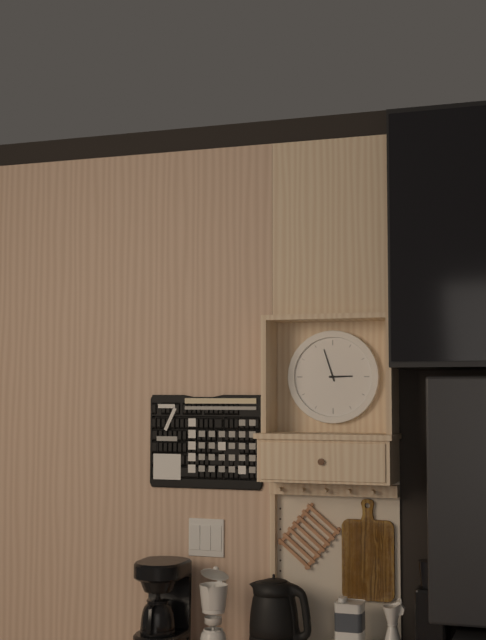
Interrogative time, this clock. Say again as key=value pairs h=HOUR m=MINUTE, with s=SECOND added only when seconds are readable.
h=2 m=57
